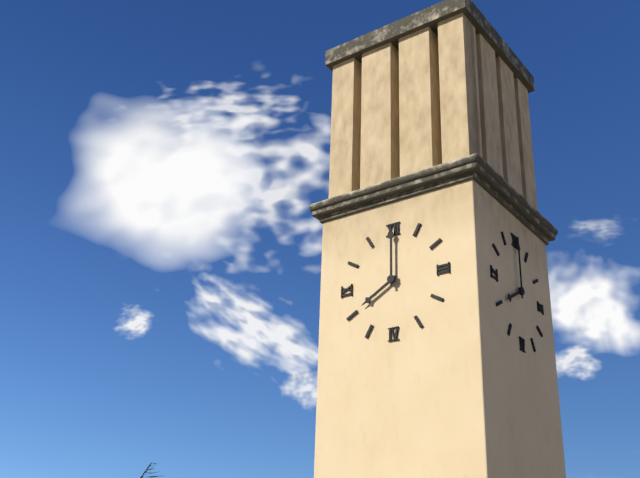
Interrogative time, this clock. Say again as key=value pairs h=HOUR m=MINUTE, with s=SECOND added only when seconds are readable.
h=8 m=0
